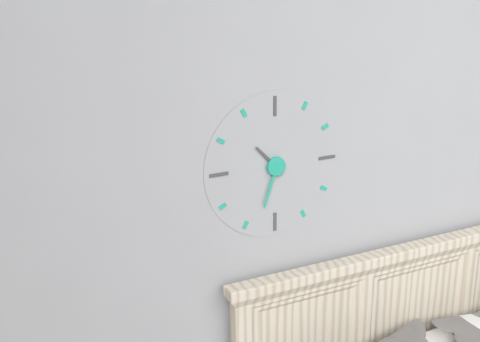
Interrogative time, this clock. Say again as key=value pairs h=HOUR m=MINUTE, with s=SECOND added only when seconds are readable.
h=10 m=33
